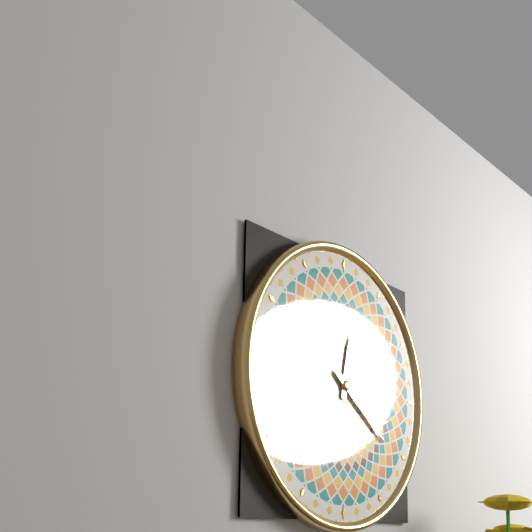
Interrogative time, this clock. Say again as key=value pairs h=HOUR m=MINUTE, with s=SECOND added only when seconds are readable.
h=12 m=21
